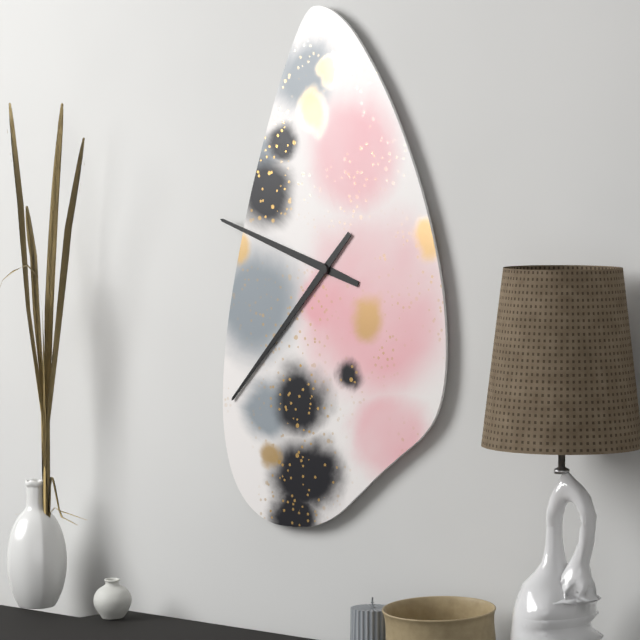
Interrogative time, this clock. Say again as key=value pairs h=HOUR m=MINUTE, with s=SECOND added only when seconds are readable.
h=9 m=37
